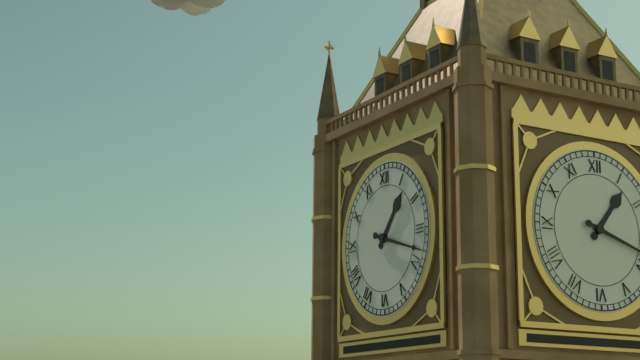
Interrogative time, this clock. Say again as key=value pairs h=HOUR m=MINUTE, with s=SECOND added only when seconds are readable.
h=1 m=18
